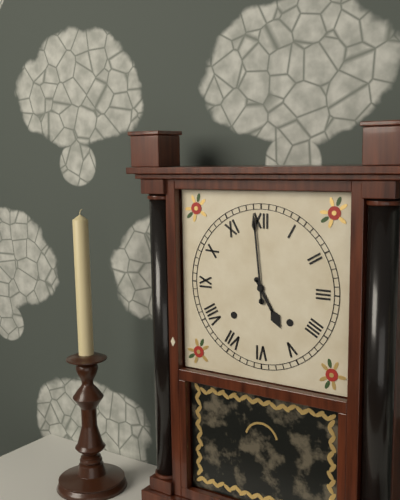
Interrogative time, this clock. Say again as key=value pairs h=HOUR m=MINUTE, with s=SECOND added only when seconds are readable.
h=4 m=59
